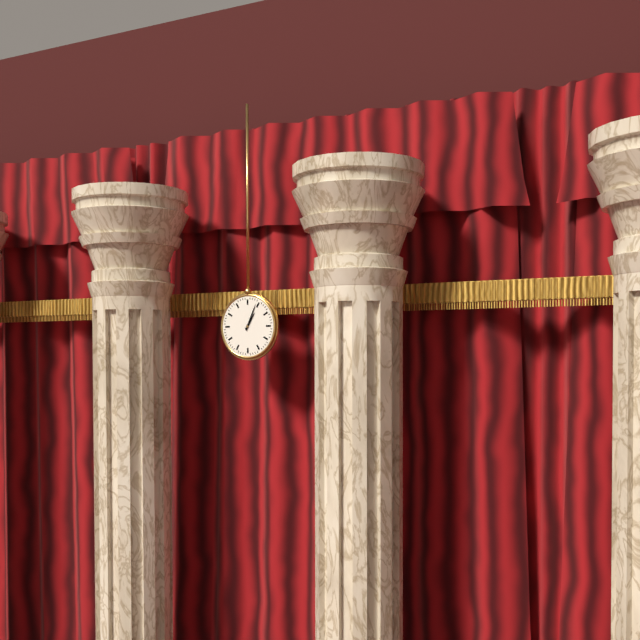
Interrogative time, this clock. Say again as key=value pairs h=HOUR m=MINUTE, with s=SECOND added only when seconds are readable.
h=1 m=4
